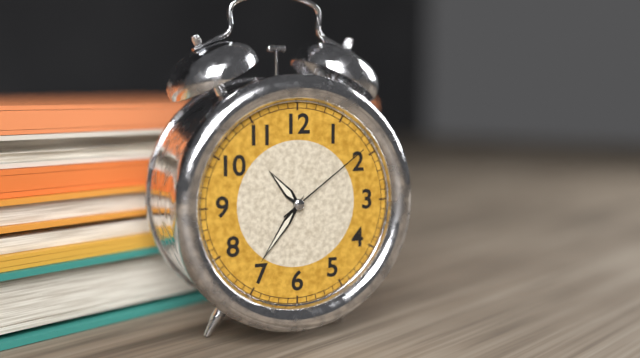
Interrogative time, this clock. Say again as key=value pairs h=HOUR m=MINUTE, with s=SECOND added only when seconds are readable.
h=10 m=36 s=9
